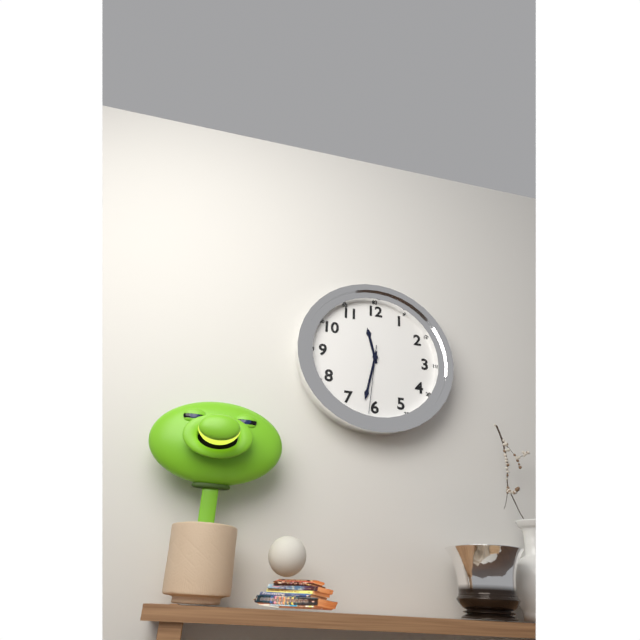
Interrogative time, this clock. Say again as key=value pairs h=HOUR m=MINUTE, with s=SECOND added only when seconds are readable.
h=11 m=32 s=31
